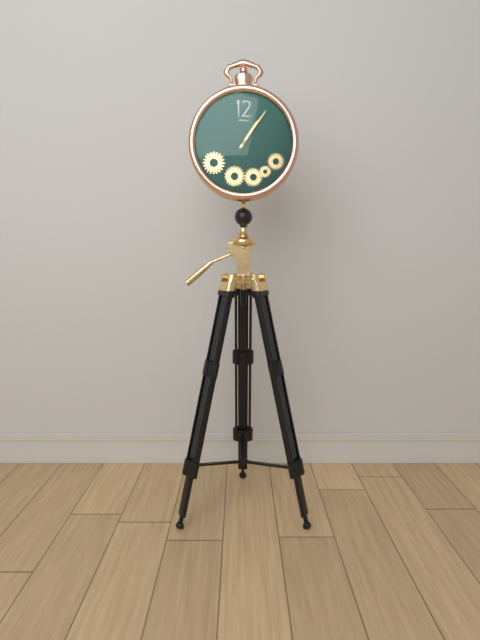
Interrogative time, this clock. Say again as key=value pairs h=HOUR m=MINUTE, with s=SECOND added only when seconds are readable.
h=1 m=6
